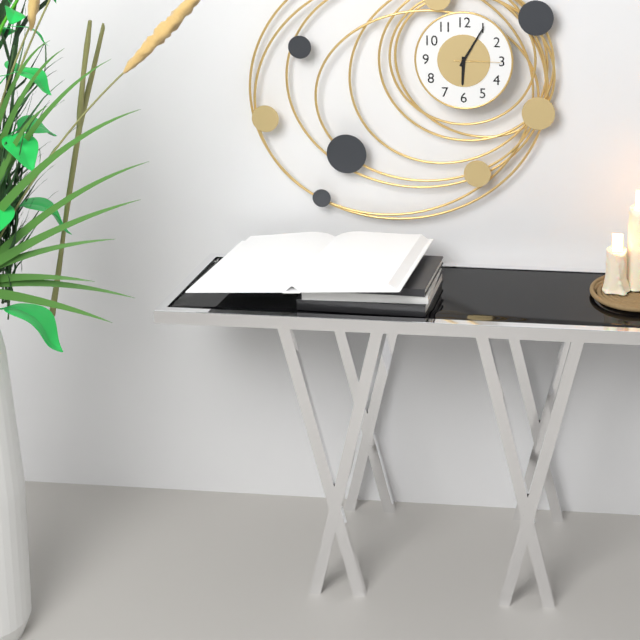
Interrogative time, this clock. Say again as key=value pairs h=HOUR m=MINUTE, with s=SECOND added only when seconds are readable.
h=6 m=5
